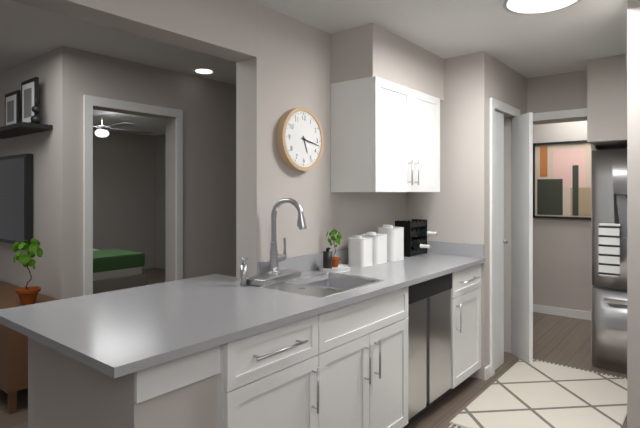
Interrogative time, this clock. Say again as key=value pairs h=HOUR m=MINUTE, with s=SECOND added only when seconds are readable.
h=5 m=17
